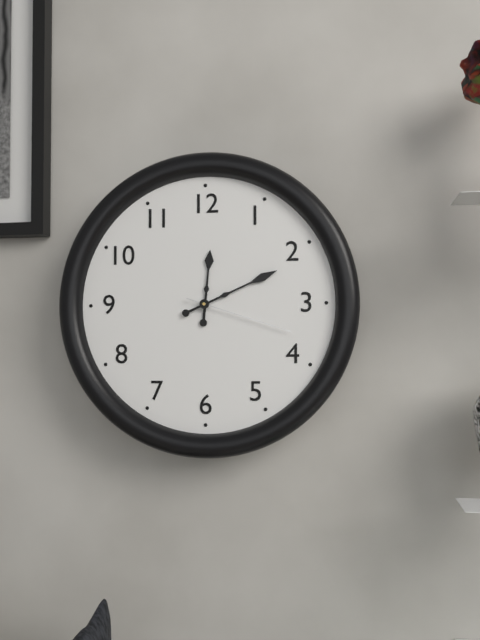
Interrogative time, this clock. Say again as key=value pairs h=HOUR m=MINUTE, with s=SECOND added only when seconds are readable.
h=12 m=11 s=18
